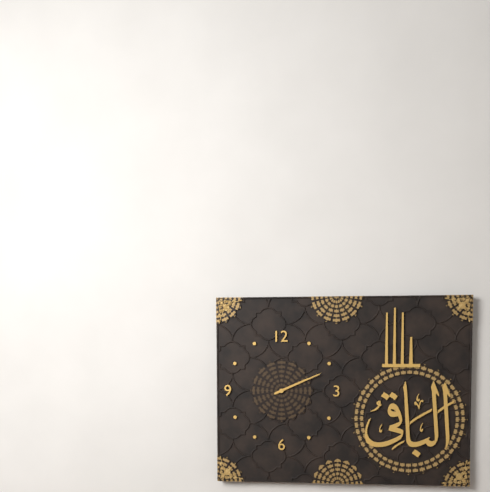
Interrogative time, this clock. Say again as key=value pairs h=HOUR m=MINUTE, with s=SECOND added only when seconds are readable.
h=2 m=11
